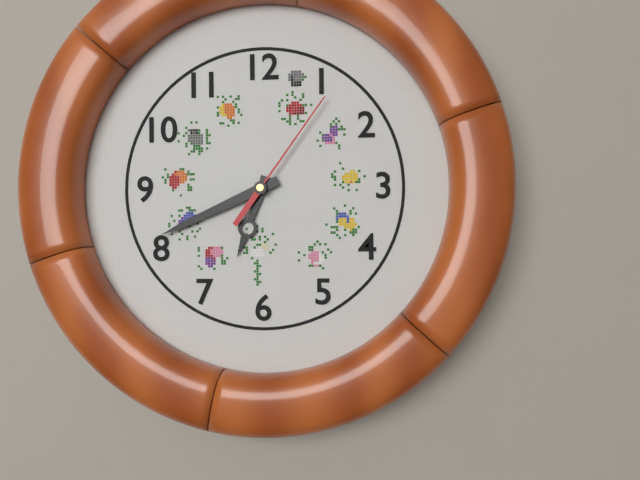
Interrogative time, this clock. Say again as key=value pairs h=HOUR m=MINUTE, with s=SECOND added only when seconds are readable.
h=6 m=41 s=6
